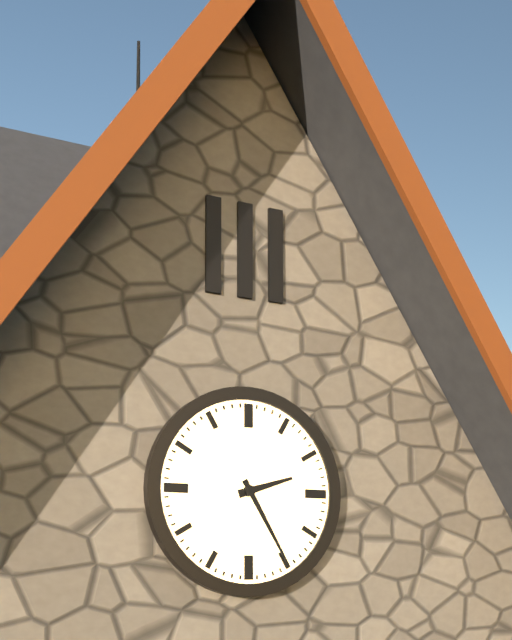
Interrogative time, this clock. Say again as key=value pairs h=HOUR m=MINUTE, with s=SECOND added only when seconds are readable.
h=2 m=25
